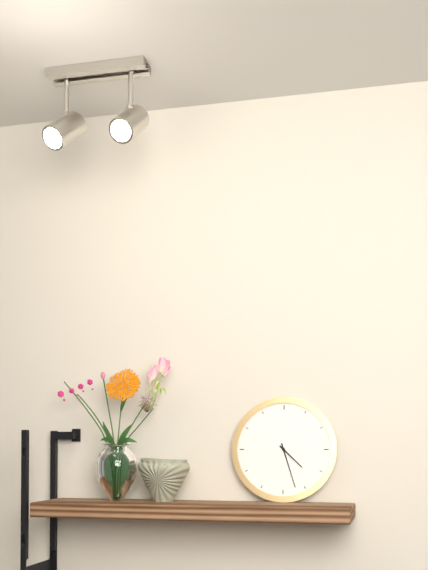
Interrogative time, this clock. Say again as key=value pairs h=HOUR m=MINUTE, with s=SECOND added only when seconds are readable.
h=4 m=27
